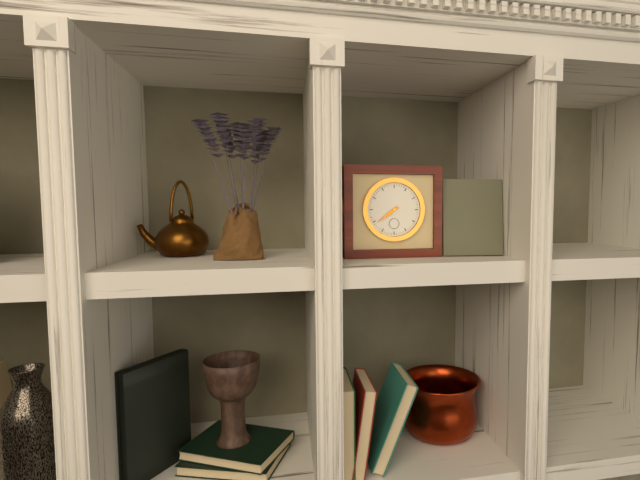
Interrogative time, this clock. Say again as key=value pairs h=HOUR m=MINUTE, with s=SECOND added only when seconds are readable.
h=7 m=39
